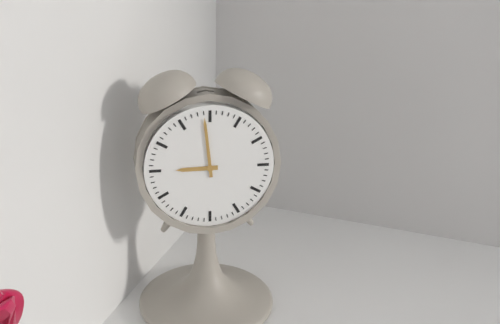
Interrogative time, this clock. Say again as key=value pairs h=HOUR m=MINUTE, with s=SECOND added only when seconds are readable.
h=8 m=59
